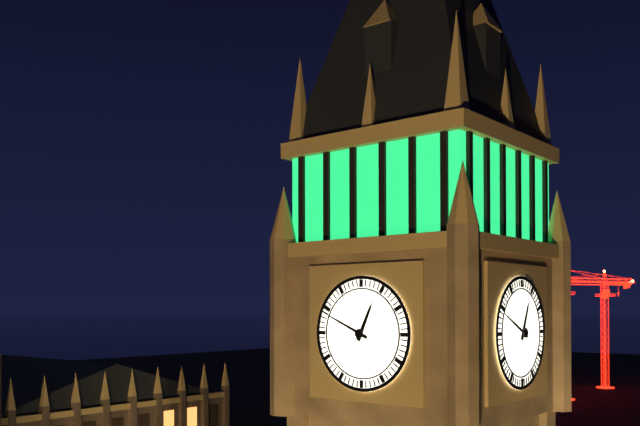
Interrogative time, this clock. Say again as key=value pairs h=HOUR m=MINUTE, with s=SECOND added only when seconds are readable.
h=12 m=49
